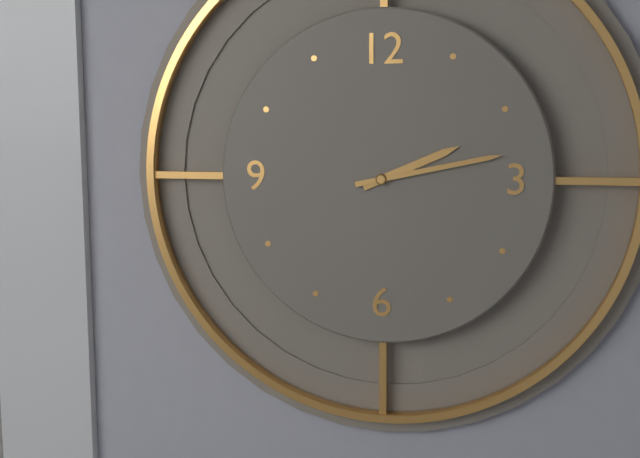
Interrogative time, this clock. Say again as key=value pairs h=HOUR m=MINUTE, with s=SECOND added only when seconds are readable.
h=2 m=13
